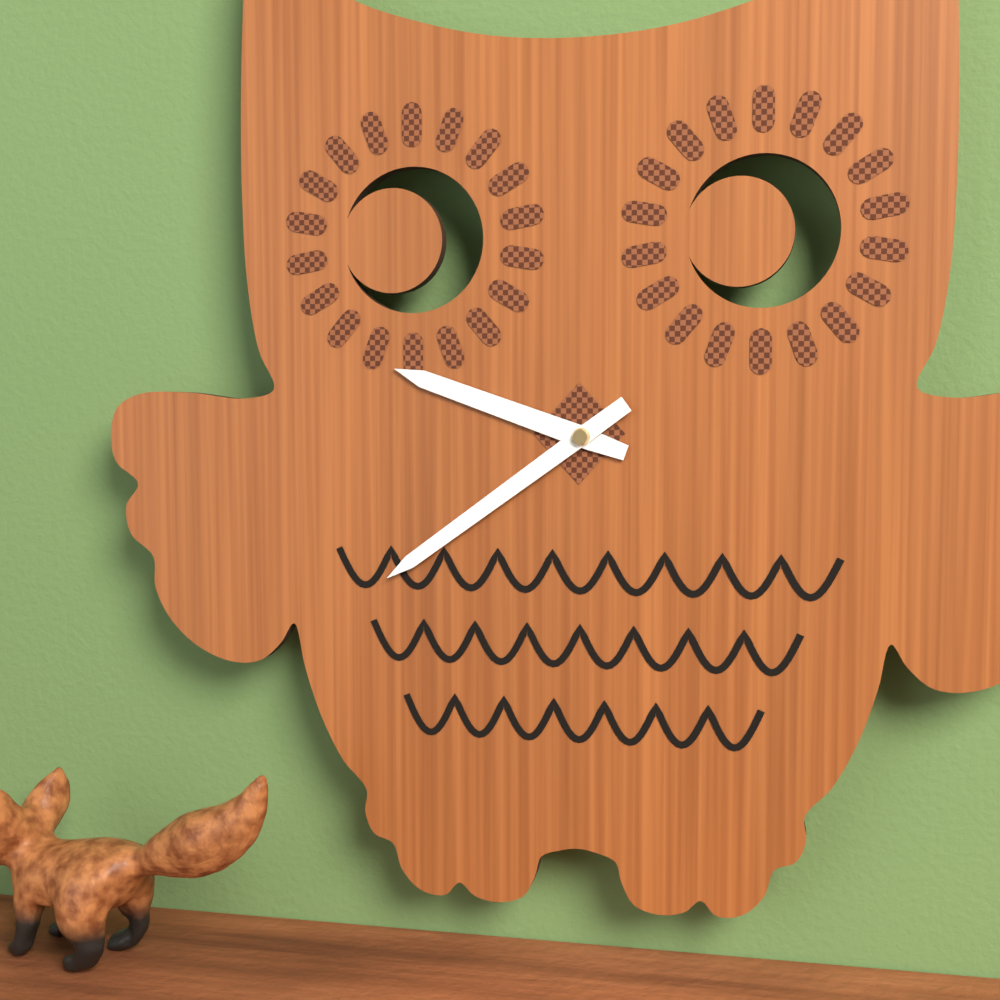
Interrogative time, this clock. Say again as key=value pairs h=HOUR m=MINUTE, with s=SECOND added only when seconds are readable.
h=9 m=39
